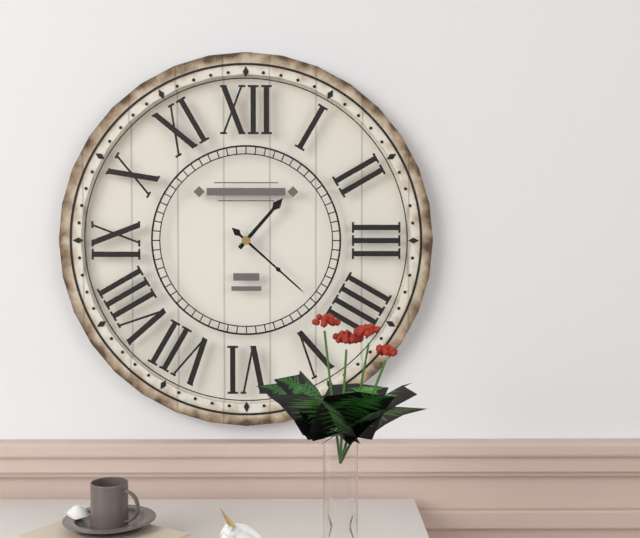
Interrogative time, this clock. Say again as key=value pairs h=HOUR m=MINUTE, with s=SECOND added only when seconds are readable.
h=1 m=22
